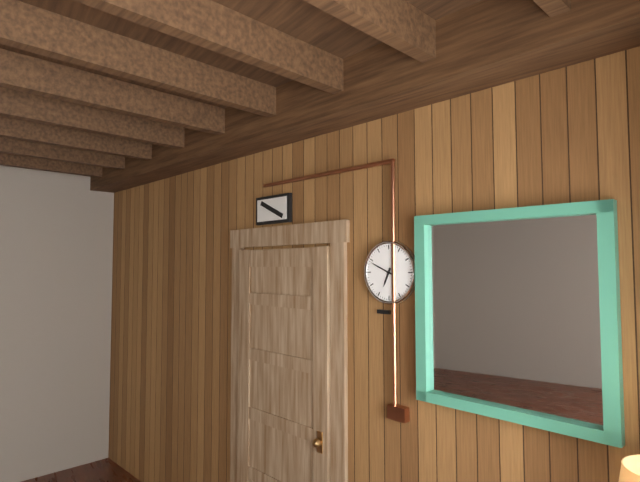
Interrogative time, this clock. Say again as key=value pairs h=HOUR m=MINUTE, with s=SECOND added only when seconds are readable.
h=6 m=49
